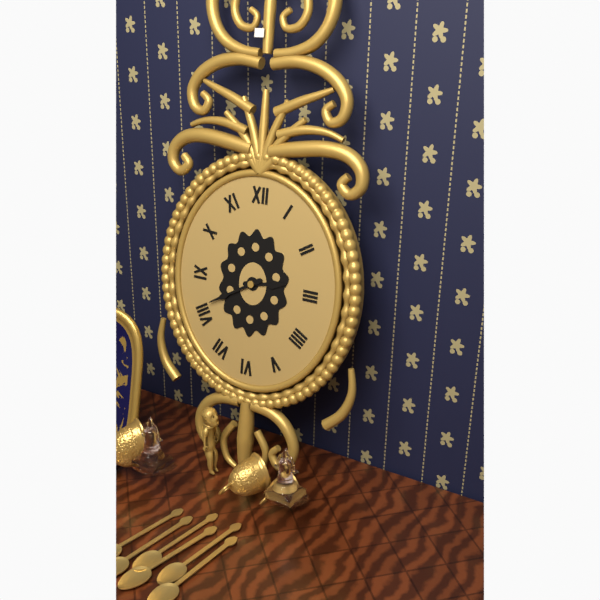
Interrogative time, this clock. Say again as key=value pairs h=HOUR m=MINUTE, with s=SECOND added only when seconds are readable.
h=2 m=40
